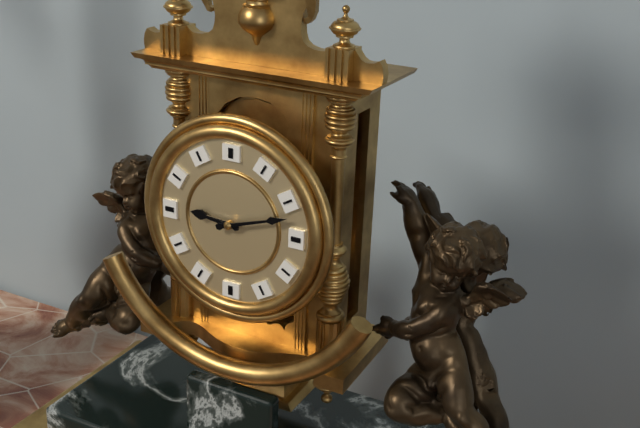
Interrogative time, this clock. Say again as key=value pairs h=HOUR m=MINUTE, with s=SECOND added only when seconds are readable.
h=9 m=12
